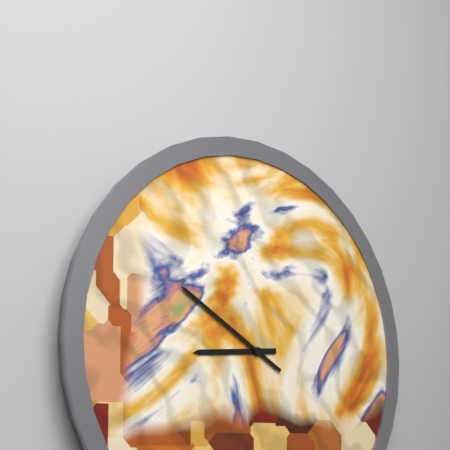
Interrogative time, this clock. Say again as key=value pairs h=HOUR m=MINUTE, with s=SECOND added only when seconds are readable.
h=8 m=50
